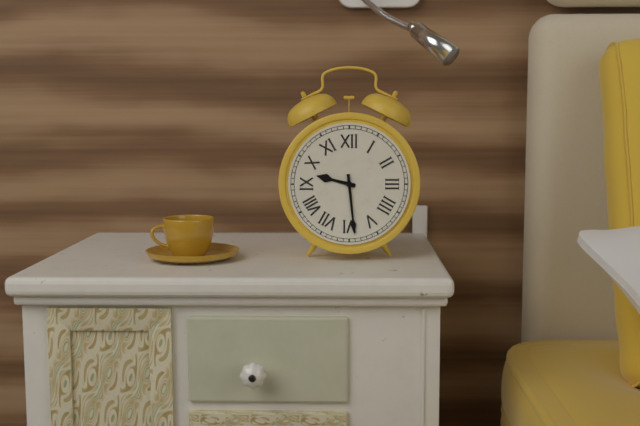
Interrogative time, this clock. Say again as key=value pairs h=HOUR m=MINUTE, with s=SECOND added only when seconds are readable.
h=9 m=29
